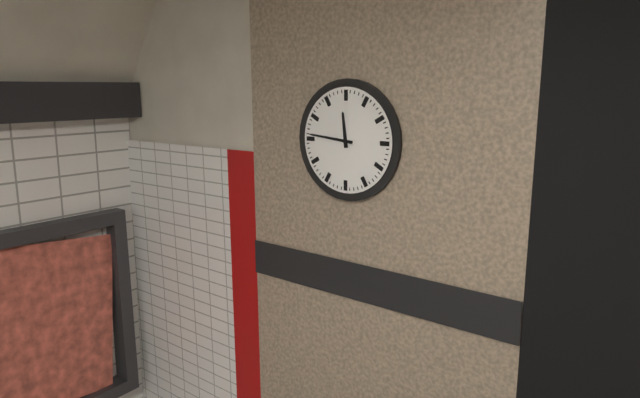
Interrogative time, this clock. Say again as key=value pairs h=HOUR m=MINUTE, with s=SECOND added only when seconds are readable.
h=11 m=46
